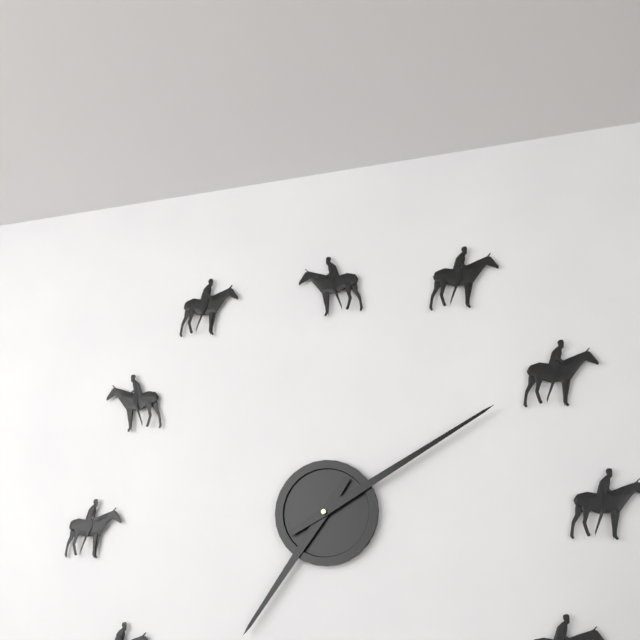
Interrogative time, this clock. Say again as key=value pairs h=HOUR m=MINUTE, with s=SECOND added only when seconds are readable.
h=7 m=10
